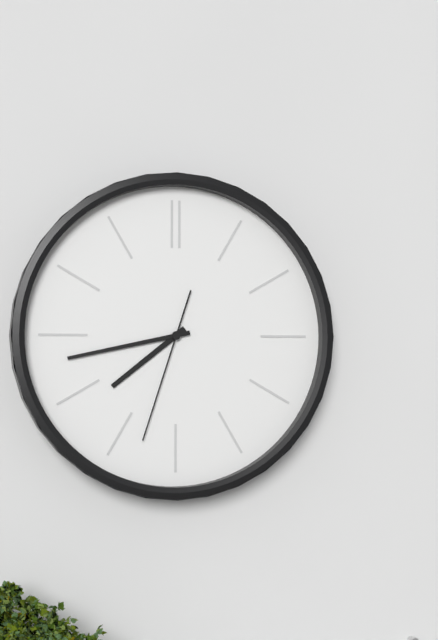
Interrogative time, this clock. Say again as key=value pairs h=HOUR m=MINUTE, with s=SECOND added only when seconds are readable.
h=7 m=43 s=33
